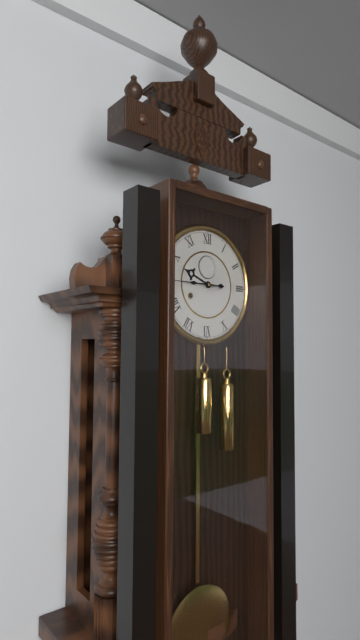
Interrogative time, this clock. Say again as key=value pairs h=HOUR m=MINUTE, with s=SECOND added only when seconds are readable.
h=9 m=45
